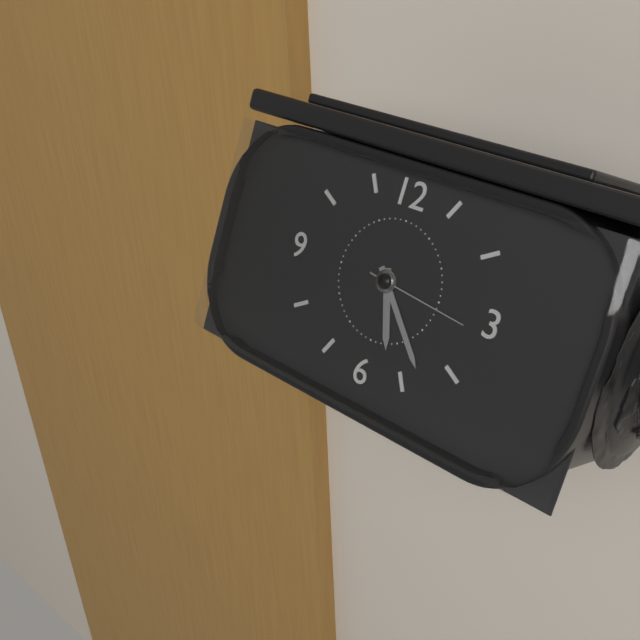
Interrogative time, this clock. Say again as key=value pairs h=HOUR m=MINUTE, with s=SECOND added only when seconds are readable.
h=5 m=23 s=16
